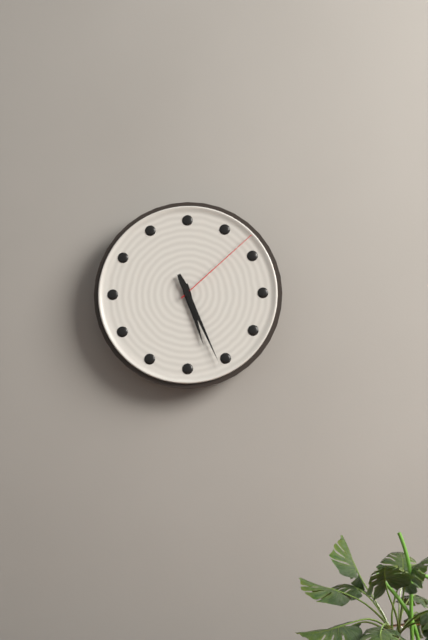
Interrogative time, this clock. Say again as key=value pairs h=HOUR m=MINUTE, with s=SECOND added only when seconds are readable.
h=5 m=26 s=8
